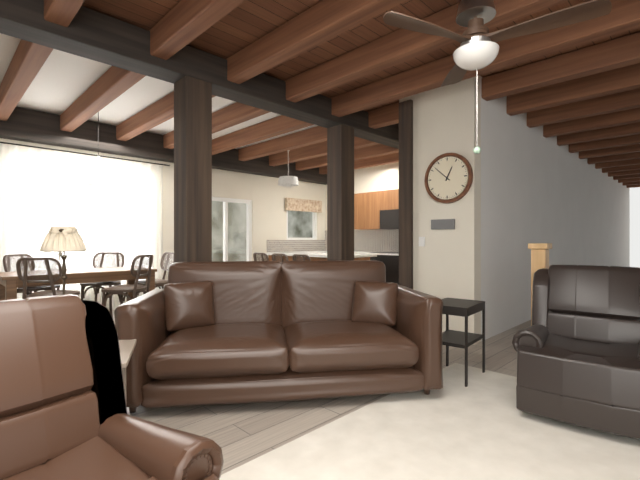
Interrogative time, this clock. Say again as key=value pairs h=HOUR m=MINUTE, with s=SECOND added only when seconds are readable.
h=12 m=52
